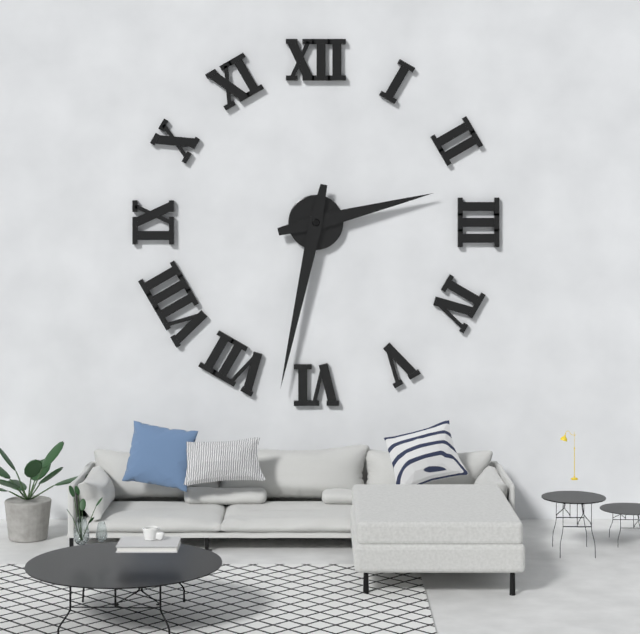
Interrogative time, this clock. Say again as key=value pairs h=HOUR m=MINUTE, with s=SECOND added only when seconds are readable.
h=2 m=32
